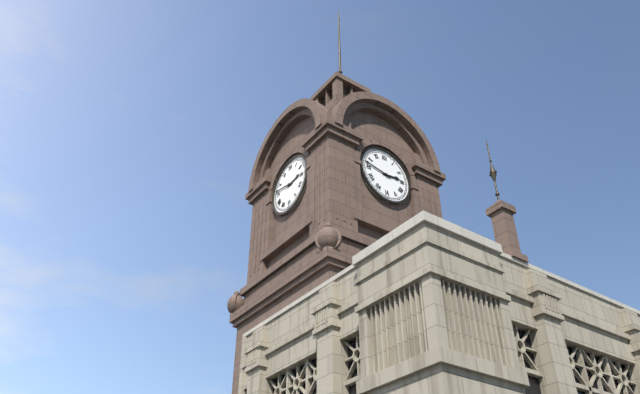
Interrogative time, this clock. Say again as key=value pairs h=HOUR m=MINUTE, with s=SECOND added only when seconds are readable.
h=2 m=47
